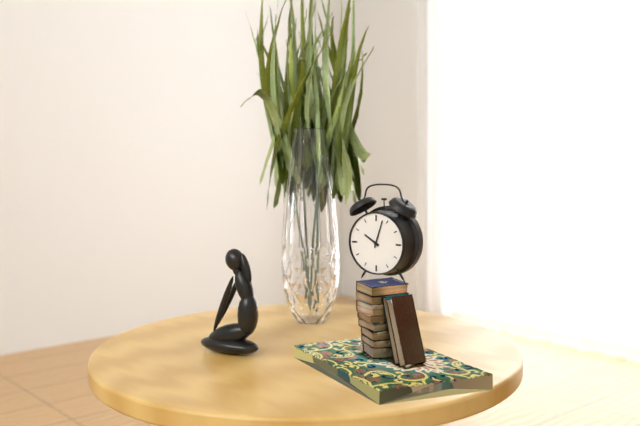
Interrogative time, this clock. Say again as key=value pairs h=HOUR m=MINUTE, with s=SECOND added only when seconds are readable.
h=10 m=3
